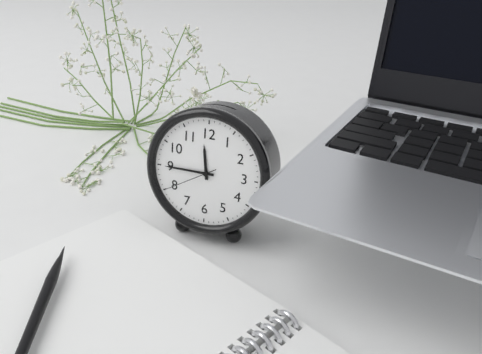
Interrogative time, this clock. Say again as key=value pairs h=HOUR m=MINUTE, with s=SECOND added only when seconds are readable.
h=11 m=45 s=40
